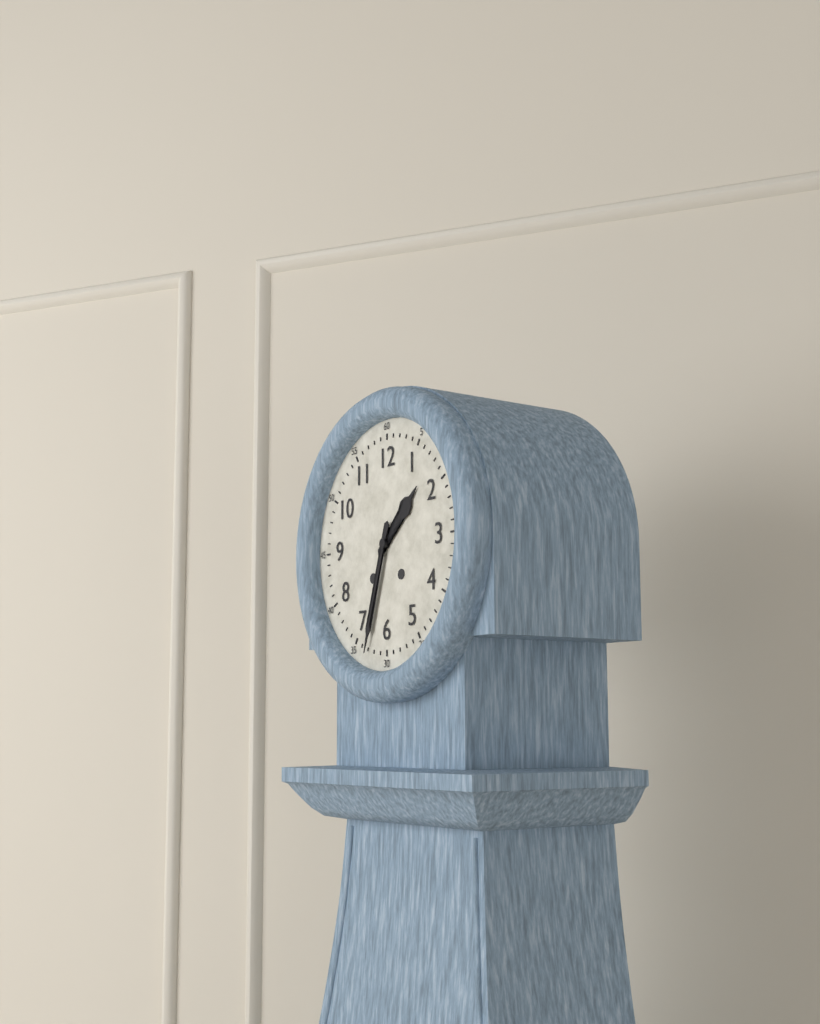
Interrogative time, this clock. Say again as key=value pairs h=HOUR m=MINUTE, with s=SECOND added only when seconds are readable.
h=1 m=33
